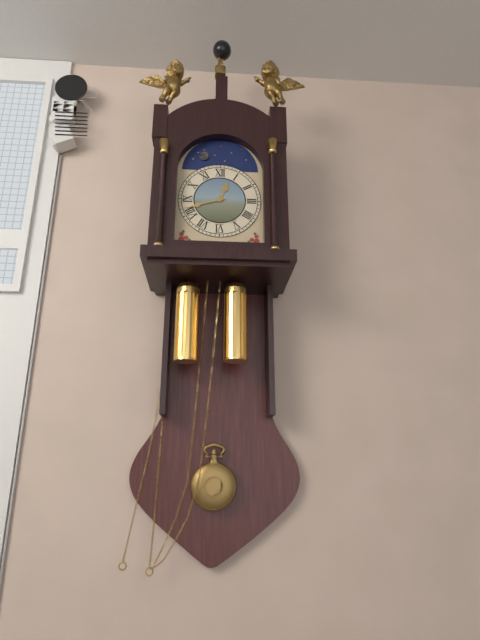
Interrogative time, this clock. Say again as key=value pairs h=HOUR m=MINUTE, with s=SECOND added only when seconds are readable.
h=12 m=42
